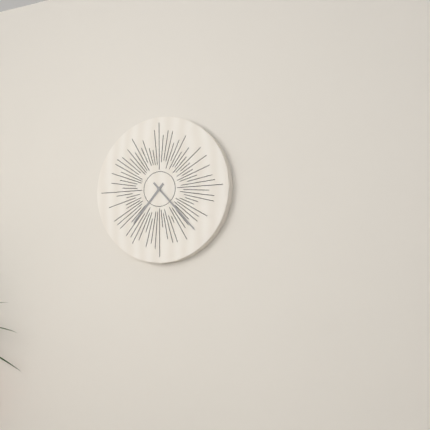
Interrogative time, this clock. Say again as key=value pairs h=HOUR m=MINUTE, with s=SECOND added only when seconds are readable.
h=7 m=23
